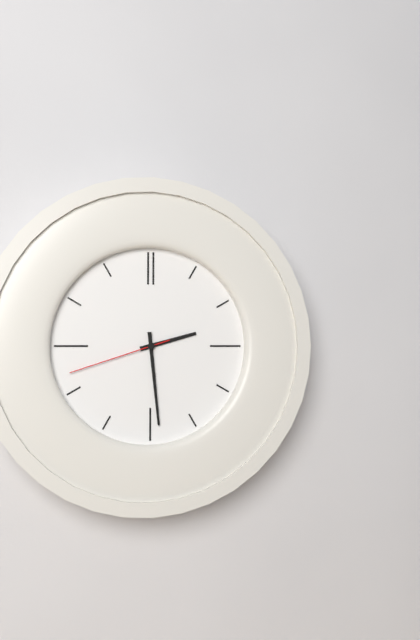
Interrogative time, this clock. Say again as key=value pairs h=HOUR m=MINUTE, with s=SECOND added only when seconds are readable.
h=2 m=29 s=42
